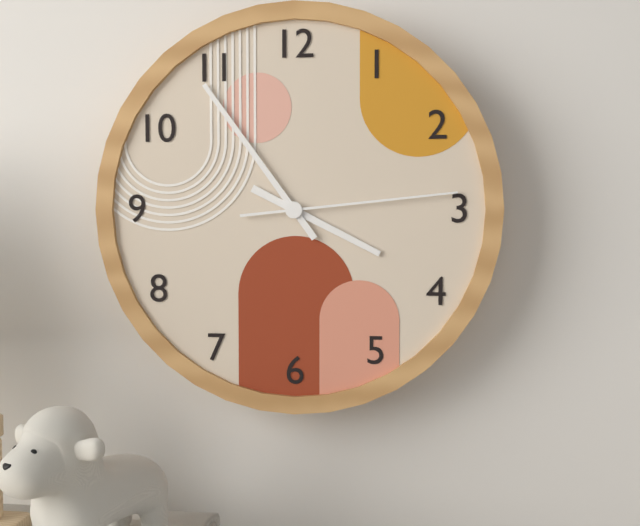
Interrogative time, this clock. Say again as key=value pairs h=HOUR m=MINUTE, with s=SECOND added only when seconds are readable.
h=3 m=54 s=14
